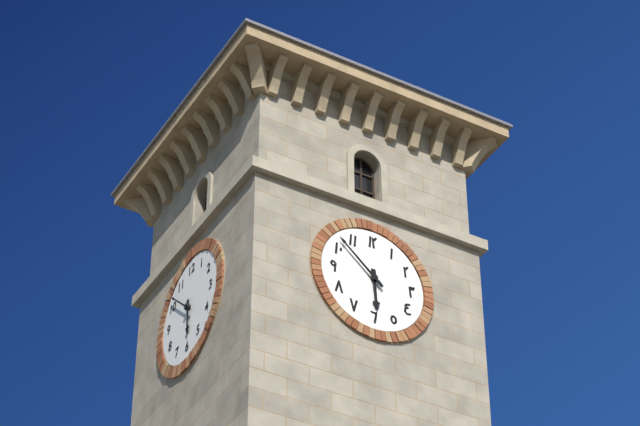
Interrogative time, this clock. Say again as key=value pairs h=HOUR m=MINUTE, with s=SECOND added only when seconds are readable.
h=5 m=52
